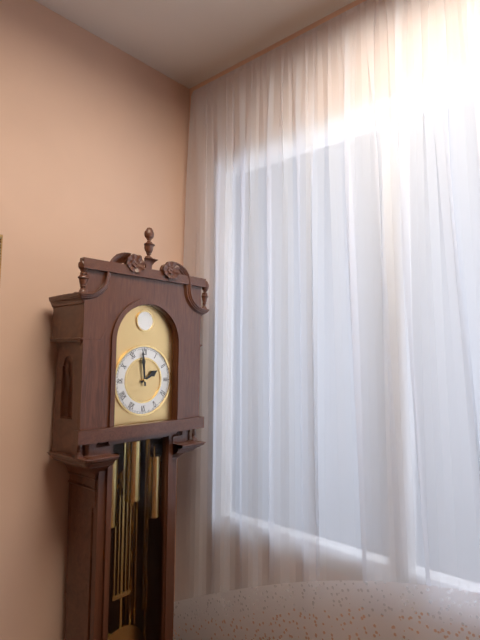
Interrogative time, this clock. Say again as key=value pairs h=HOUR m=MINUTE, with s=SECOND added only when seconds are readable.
h=1 m=59
